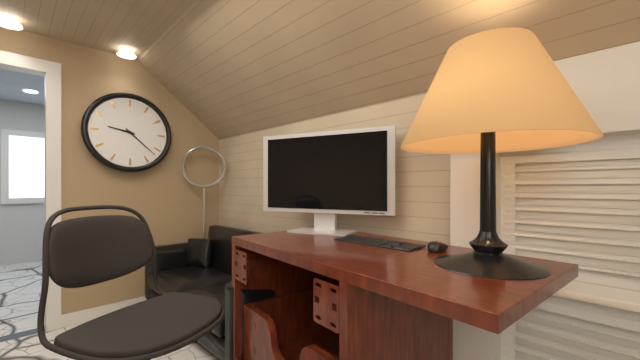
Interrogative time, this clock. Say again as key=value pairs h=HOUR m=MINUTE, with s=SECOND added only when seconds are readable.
h=9 m=22
